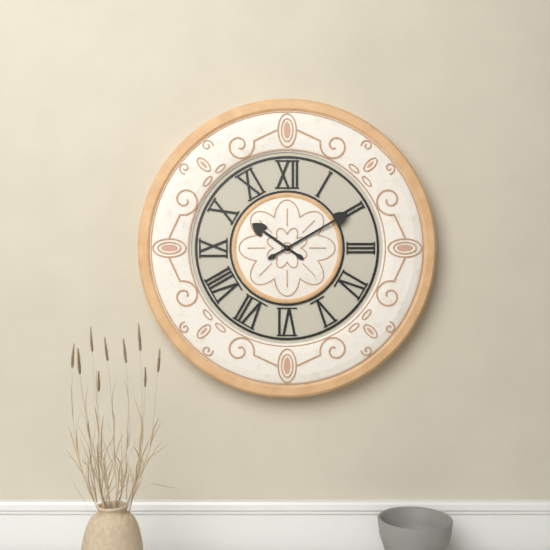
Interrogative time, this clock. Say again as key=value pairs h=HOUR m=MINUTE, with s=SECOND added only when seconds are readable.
h=10 m=10
